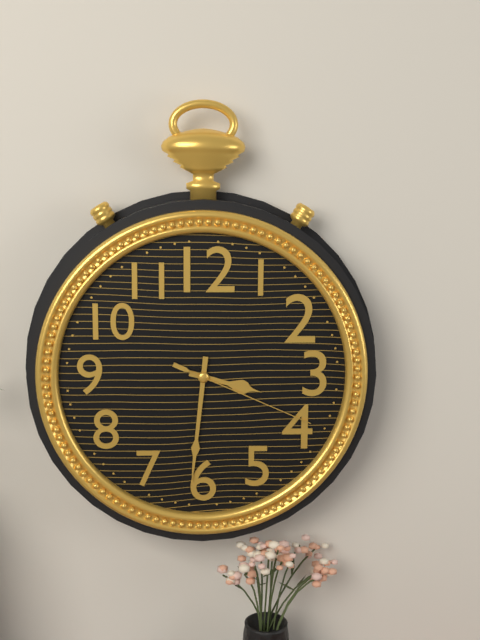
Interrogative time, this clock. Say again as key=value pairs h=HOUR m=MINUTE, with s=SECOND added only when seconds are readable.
h=3 m=31 s=19
